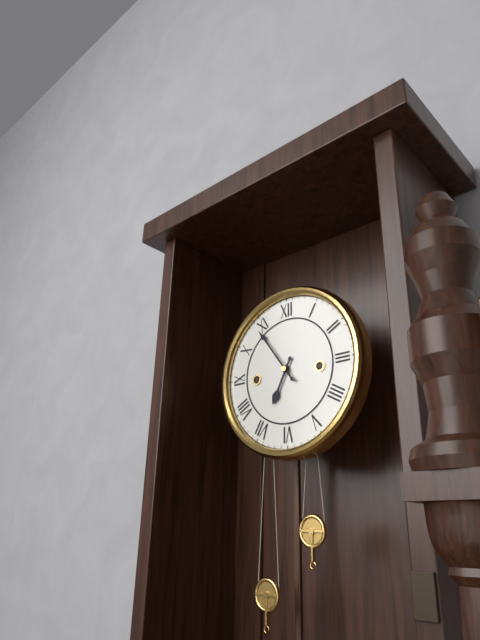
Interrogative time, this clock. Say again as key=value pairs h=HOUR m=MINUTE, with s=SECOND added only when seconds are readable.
h=6 m=54
